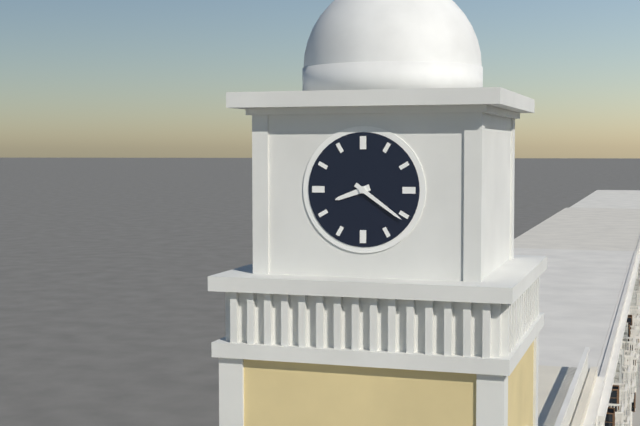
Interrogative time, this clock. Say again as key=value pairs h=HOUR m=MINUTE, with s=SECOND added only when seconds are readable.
h=8 m=21
